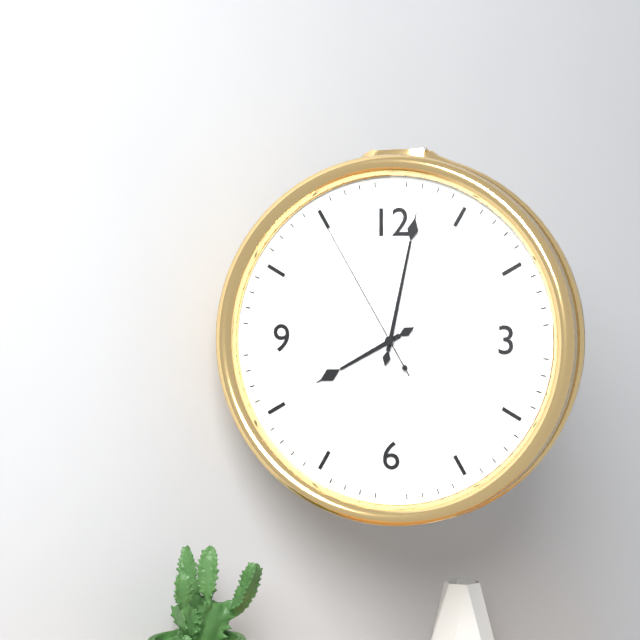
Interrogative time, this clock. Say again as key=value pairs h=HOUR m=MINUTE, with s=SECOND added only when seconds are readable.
h=8 m=2 s=55
